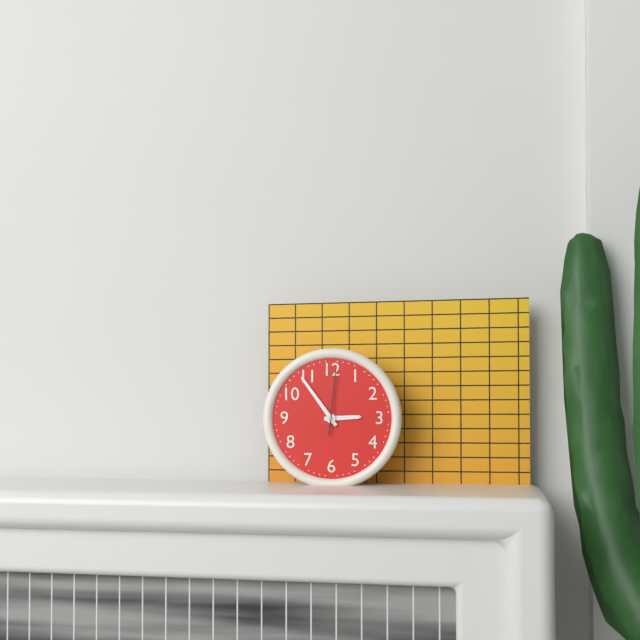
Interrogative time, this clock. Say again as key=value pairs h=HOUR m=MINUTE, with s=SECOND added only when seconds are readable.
h=2 m=54 s=1
